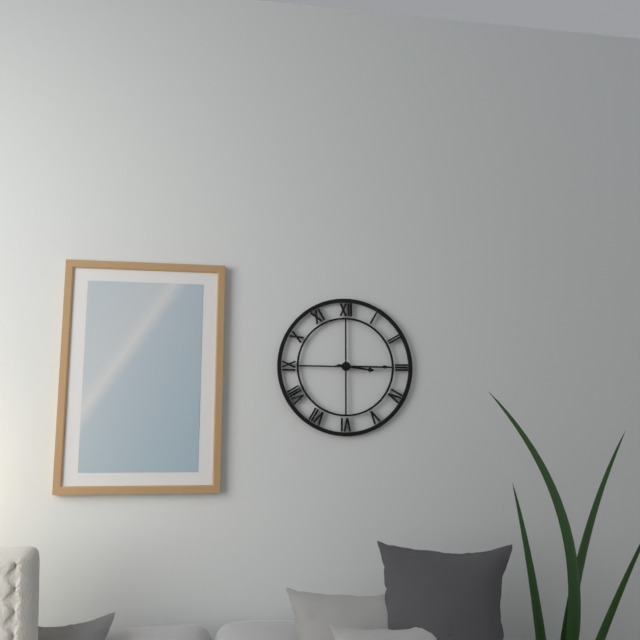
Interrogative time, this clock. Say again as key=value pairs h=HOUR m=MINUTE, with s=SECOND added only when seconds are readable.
h=3 m=15
